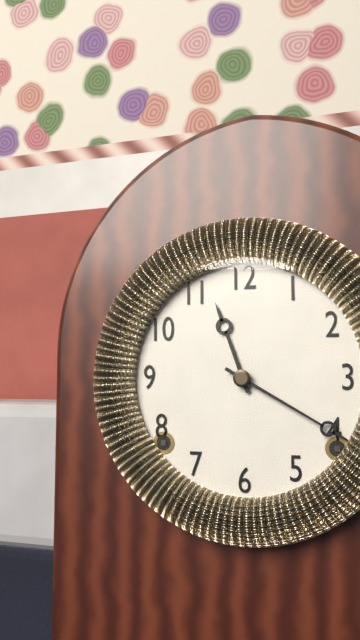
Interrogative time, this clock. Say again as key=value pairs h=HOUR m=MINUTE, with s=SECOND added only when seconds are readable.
h=11 m=20
